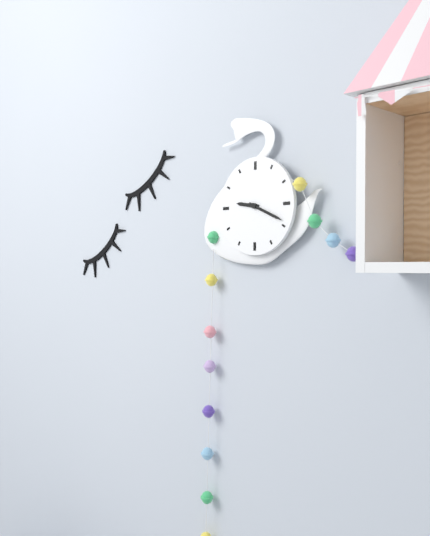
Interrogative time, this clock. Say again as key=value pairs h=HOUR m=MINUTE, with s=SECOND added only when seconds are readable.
h=9 m=19
